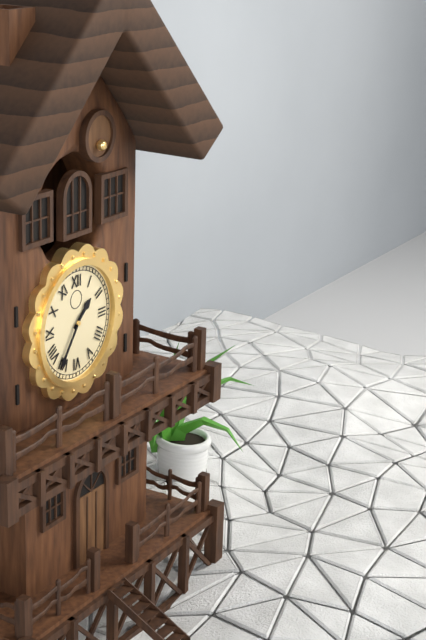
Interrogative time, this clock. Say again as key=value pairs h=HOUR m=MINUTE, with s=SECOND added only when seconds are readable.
h=1 m=36
